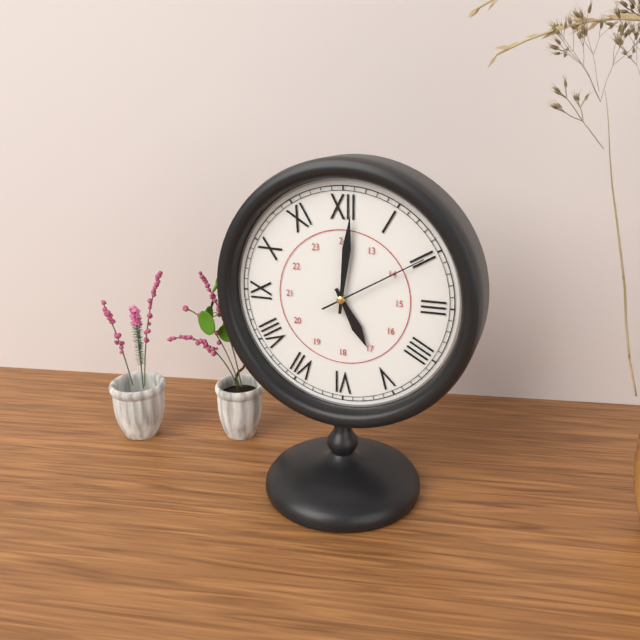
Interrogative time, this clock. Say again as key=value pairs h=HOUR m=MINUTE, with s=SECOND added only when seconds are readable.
h=5 m=1 s=10
